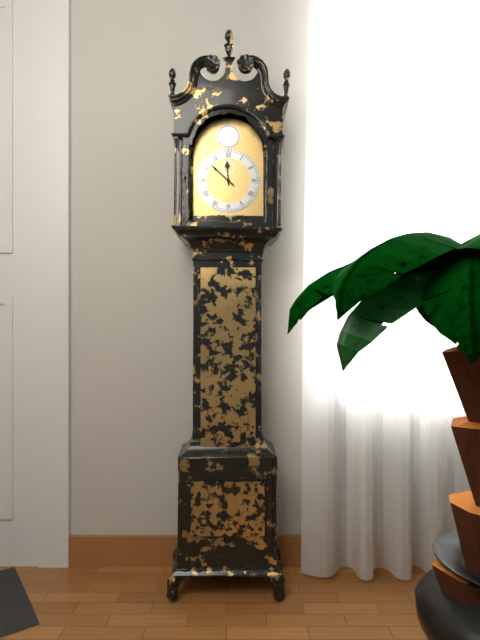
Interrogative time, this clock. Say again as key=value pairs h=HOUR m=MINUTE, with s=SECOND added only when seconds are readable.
h=11 m=52
